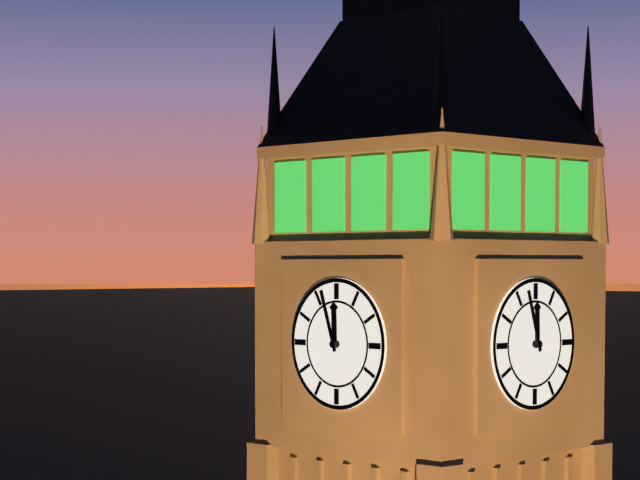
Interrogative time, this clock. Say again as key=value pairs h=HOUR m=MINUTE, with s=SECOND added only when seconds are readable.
h=11 m=57
